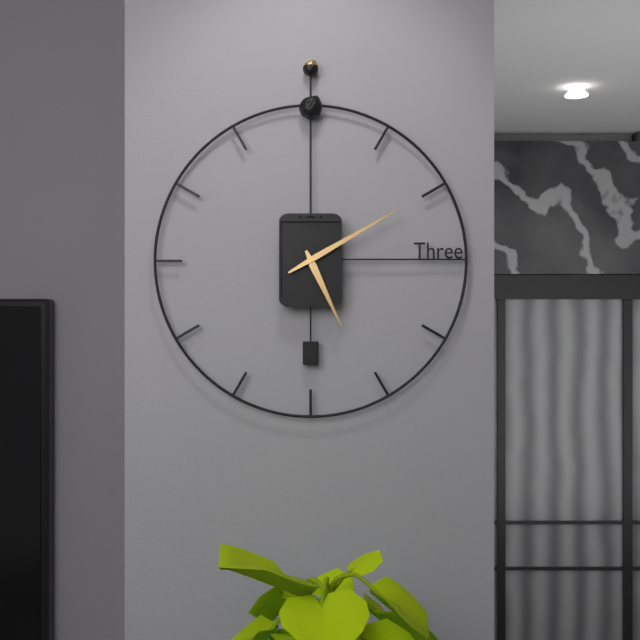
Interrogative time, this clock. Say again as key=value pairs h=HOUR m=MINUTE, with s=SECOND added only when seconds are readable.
h=5 m=10
